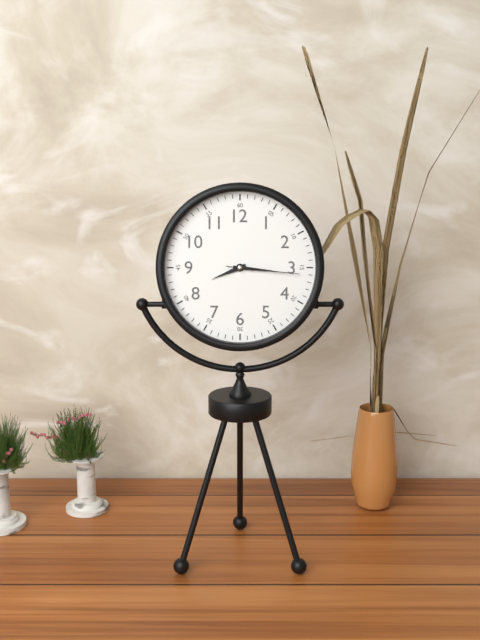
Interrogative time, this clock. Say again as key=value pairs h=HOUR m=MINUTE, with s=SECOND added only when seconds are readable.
h=8 m=16 s=16
